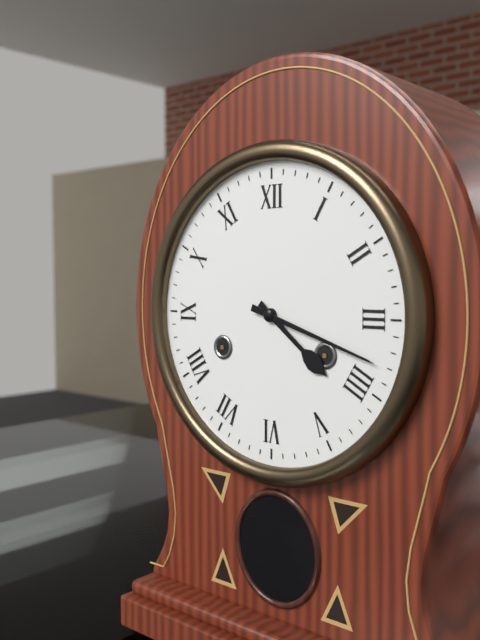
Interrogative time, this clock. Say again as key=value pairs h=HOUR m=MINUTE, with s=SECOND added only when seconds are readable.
h=4 m=18
